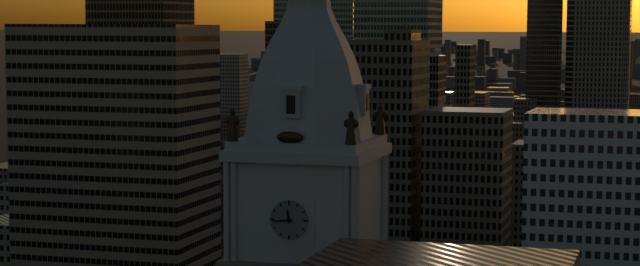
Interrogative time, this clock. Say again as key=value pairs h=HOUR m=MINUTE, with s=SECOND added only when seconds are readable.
h=11 m=44
